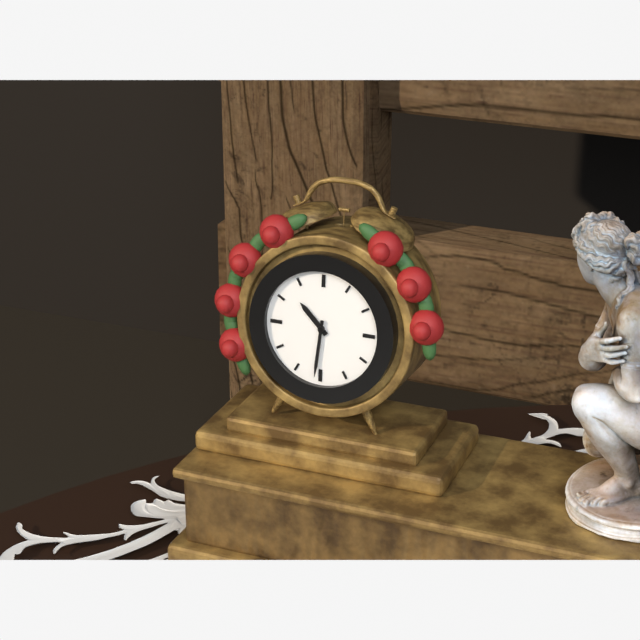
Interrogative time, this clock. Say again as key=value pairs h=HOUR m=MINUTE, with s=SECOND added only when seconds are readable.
h=10 m=31
